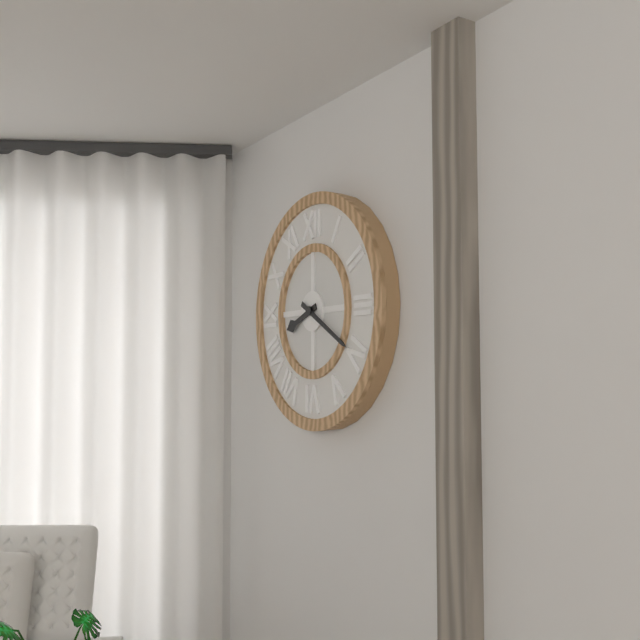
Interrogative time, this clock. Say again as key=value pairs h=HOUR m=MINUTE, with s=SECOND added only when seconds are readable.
h=8 m=20
